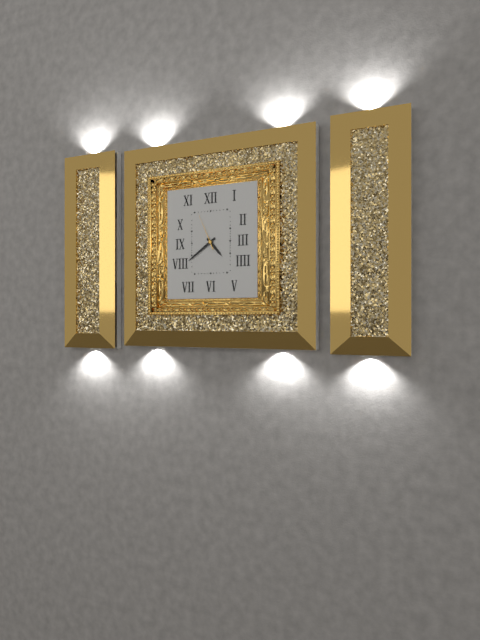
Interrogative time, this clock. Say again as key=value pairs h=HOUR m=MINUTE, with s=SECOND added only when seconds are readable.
h=4 m=39
